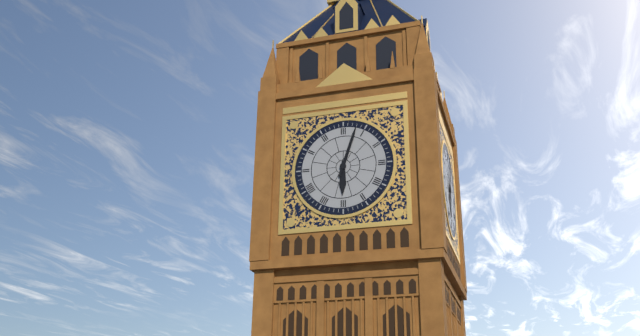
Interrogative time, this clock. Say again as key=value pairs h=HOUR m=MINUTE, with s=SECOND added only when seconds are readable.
h=6 m=3
